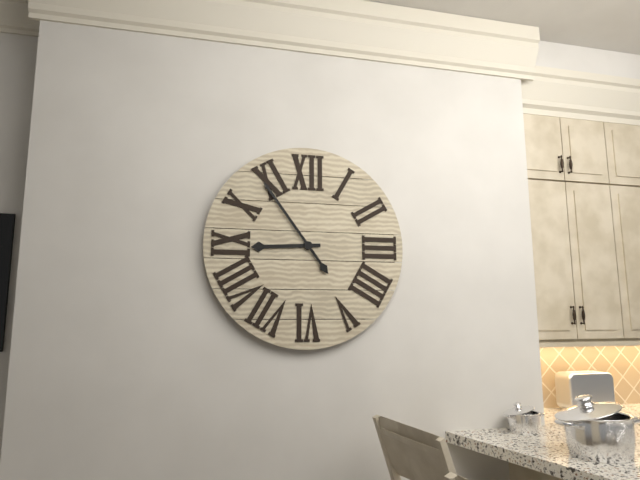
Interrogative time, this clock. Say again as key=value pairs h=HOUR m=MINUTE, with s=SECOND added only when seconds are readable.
h=8 m=54
